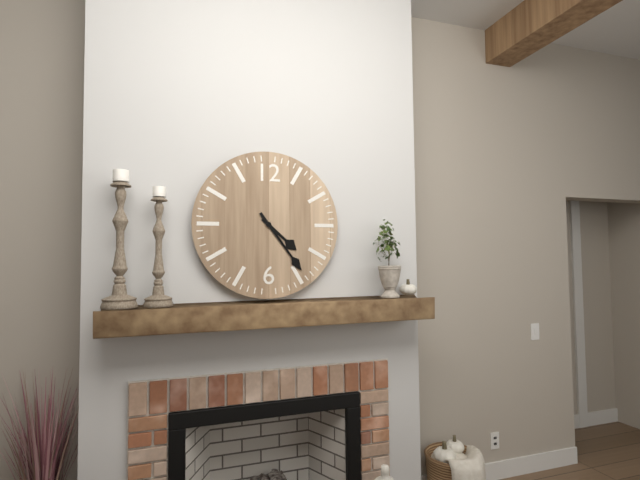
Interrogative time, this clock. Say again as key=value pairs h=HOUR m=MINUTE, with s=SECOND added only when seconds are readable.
h=4 m=24
